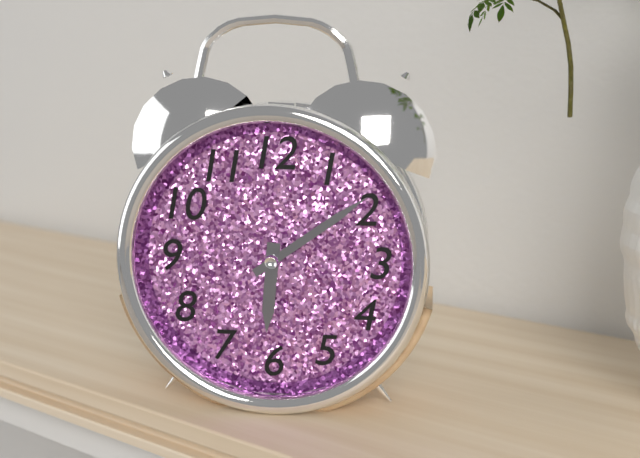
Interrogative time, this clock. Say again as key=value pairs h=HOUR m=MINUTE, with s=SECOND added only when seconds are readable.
h=6 m=9
